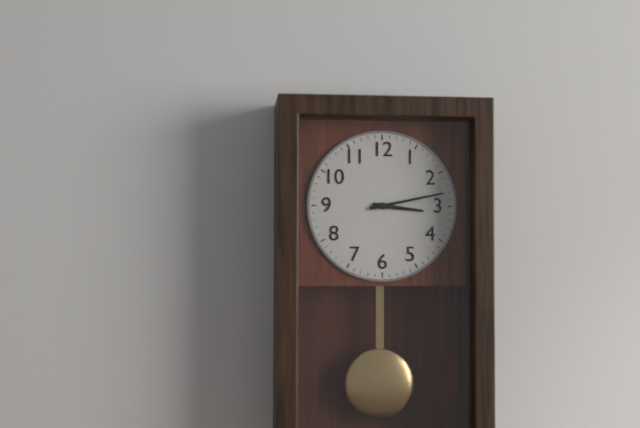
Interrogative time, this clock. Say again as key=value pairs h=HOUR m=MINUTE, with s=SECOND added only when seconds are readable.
h=3 m=13
